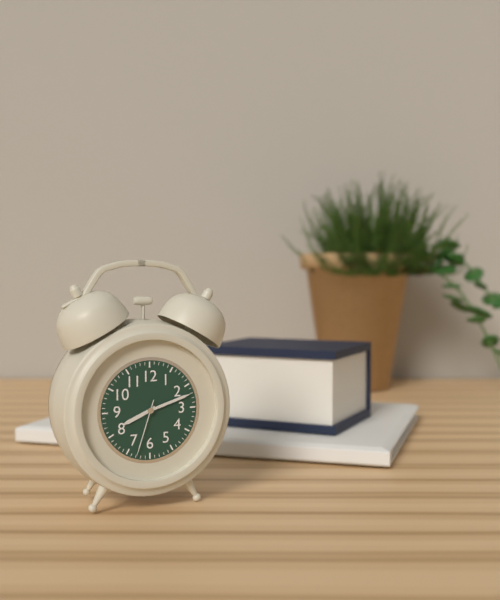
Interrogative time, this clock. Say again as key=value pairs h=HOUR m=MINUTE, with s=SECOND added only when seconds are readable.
h=8 m=12 s=33
